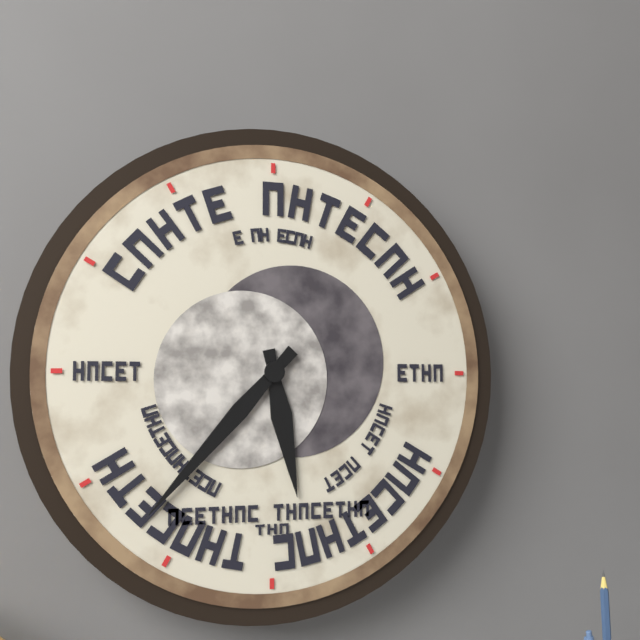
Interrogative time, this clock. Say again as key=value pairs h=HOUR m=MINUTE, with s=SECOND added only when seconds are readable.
h=5 m=37
